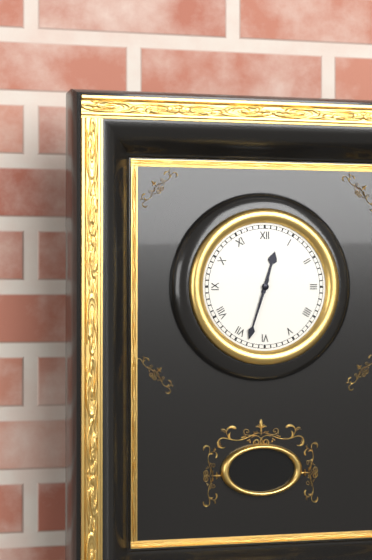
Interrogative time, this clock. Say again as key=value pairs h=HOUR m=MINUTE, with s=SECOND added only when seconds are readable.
h=12 m=33
